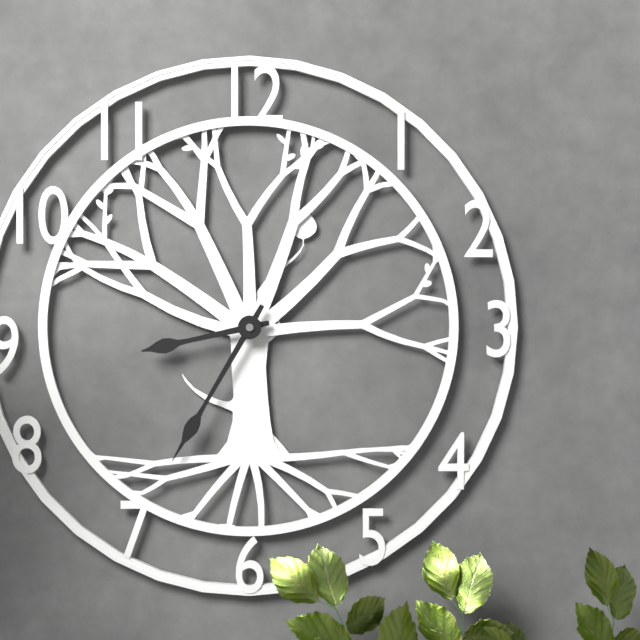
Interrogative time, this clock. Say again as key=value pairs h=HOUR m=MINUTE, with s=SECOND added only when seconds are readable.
h=8 m=35
